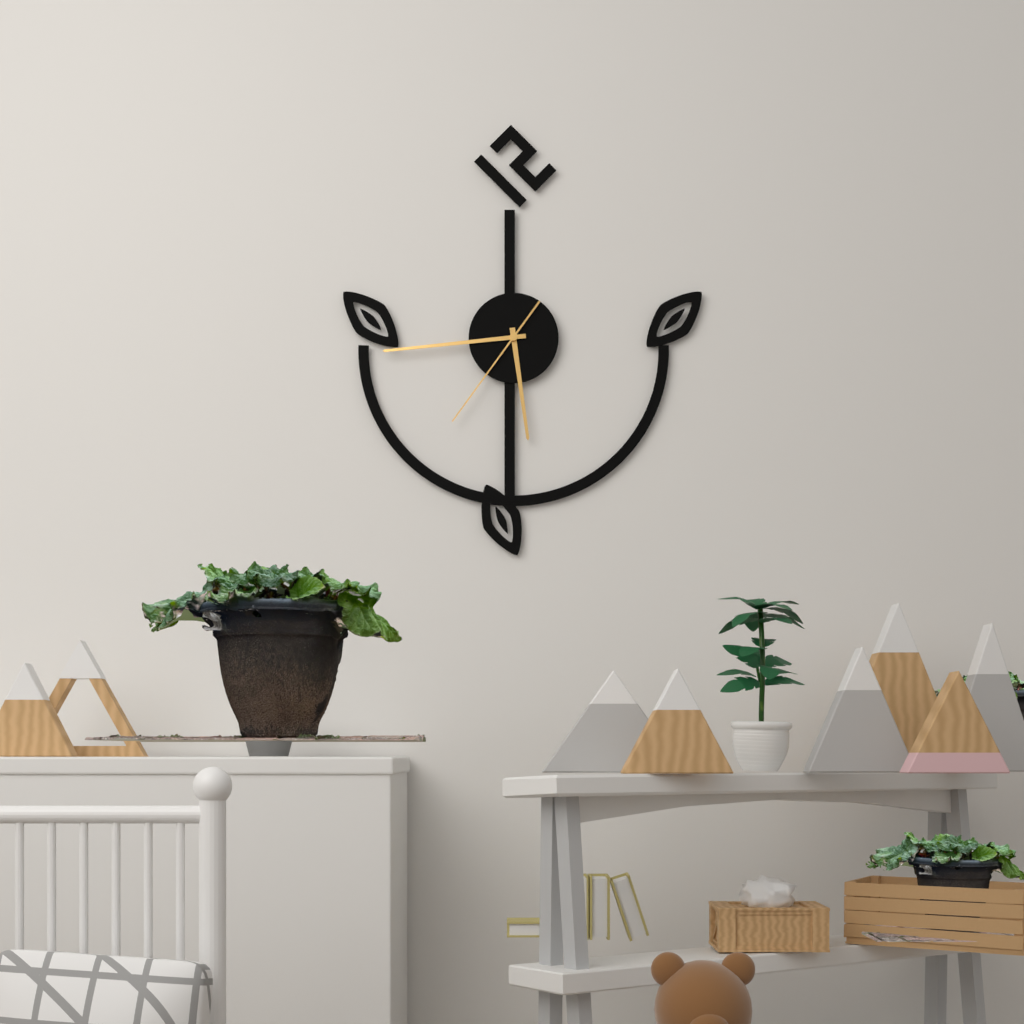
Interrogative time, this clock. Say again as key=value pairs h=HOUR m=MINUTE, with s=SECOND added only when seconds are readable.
h=5 m=44 s=36
